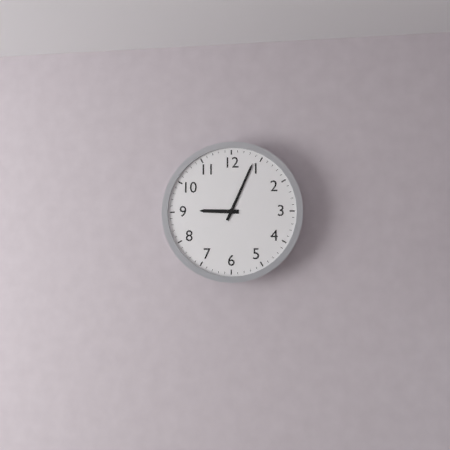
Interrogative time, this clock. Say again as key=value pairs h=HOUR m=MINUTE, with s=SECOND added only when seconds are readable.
h=9 m=4
